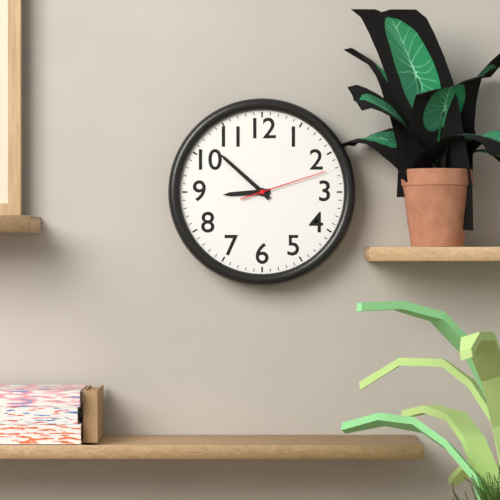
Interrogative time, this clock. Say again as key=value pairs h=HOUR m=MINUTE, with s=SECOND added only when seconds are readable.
h=8 m=52 s=12
